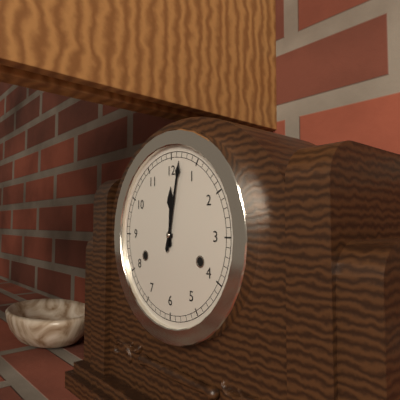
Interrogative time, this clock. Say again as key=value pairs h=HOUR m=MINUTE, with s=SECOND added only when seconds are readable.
h=12 m=2
